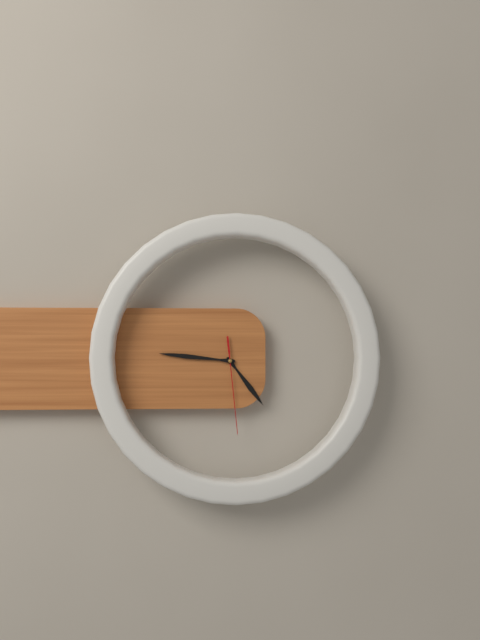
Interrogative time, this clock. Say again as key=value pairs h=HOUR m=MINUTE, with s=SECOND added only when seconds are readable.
h=4 m=46 s=29
